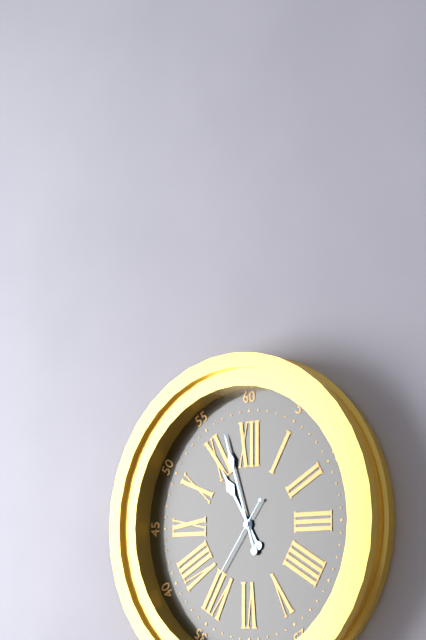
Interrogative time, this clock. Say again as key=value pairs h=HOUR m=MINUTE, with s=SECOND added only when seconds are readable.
h=10 m=57 s=36
